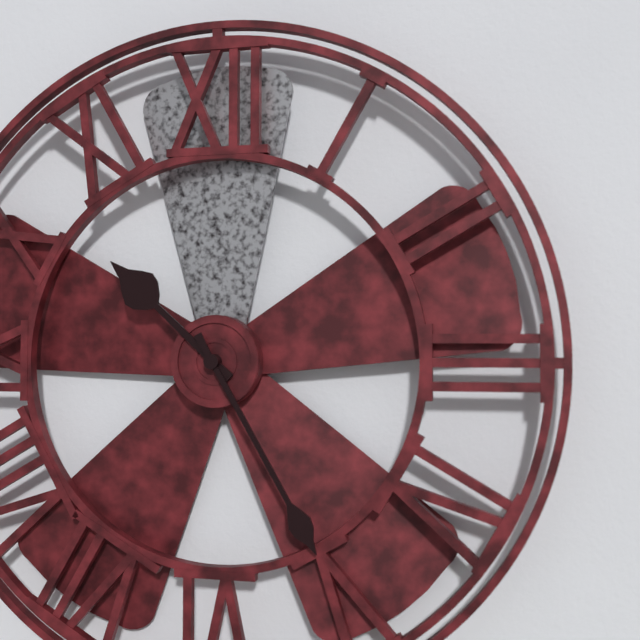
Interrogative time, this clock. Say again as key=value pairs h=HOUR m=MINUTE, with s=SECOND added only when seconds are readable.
h=10 m=25
